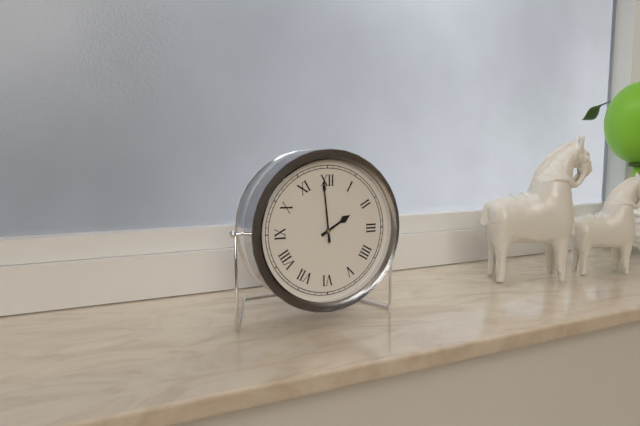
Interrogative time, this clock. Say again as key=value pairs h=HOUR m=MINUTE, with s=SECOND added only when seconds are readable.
h=1 m=59
